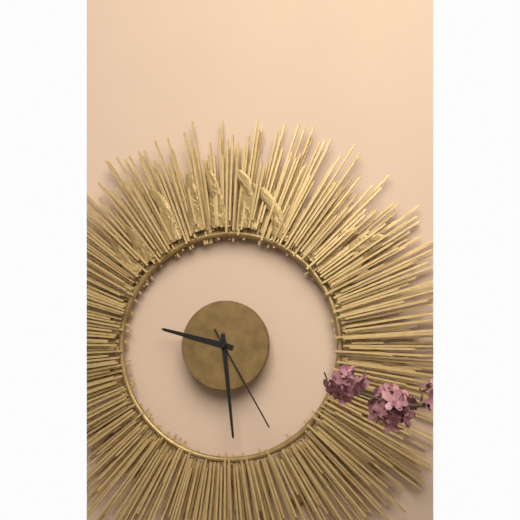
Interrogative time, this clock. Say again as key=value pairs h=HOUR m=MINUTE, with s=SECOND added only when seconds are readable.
h=9 m=29 s=25
